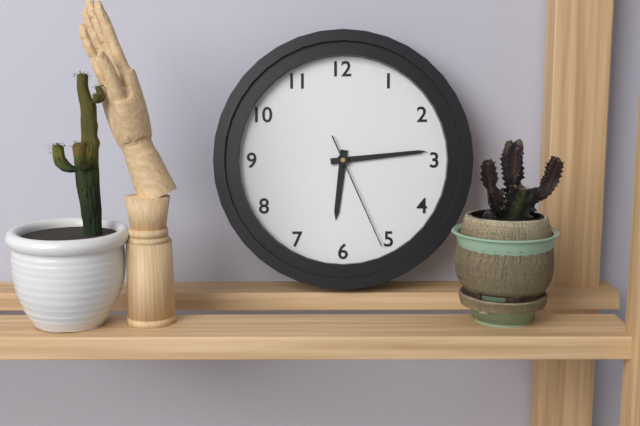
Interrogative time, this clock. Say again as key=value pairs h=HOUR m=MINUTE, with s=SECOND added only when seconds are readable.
h=6 m=14 s=26
